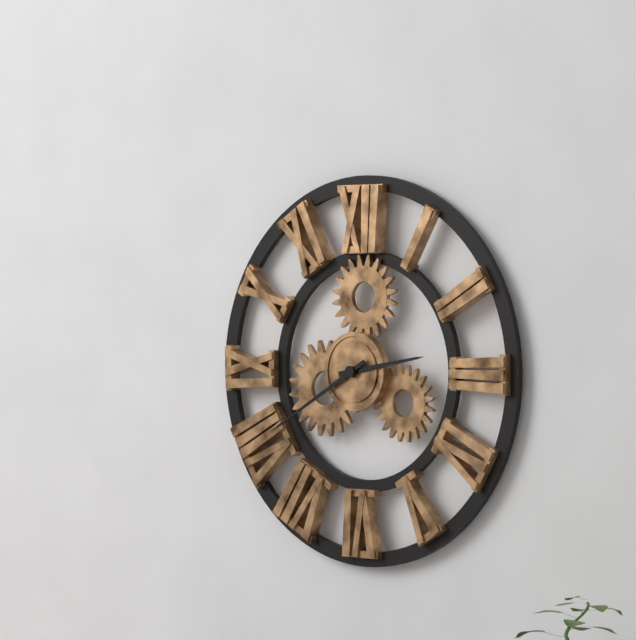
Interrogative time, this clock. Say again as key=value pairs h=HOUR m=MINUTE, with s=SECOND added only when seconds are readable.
h=2 m=40
